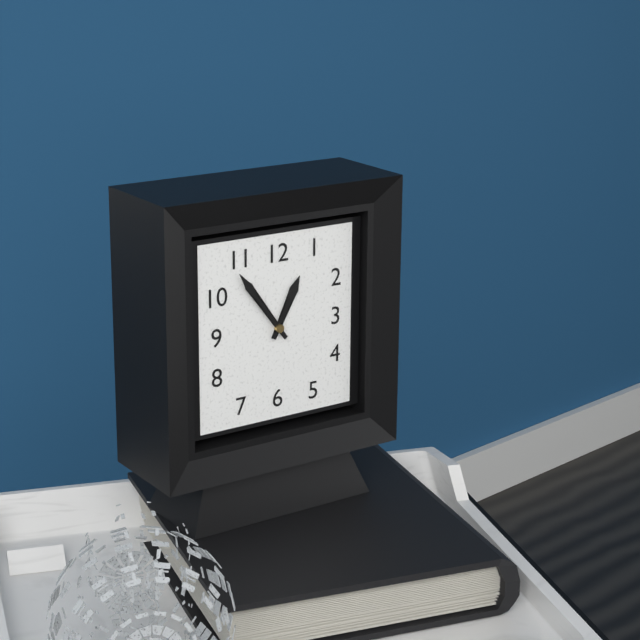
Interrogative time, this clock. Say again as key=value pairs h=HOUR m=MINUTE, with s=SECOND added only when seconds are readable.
h=12 m=54
